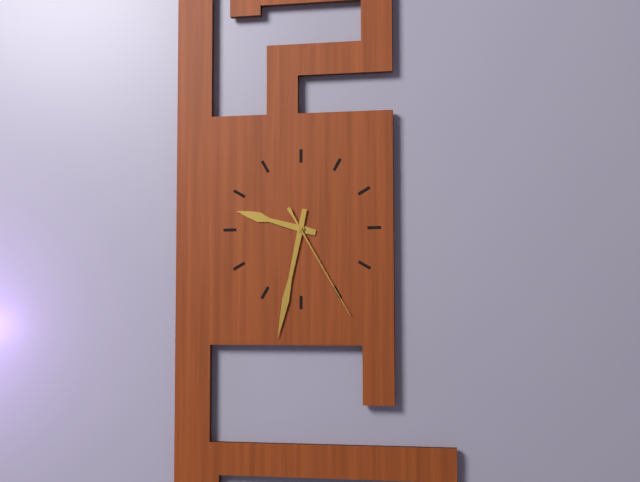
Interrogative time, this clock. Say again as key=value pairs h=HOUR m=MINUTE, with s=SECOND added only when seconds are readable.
h=9 m=32 s=25
